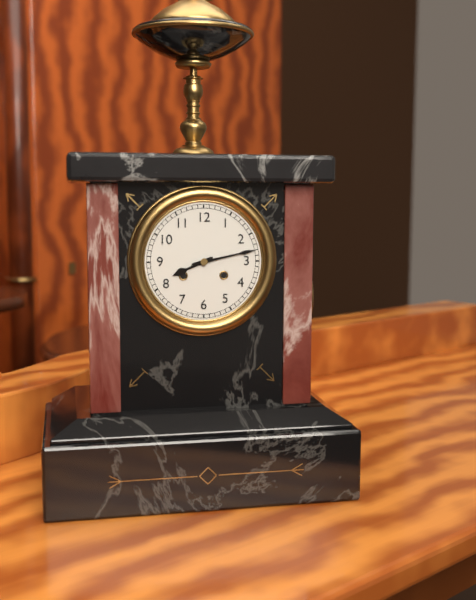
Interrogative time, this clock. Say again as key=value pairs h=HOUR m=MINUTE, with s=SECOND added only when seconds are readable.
h=8 m=13
